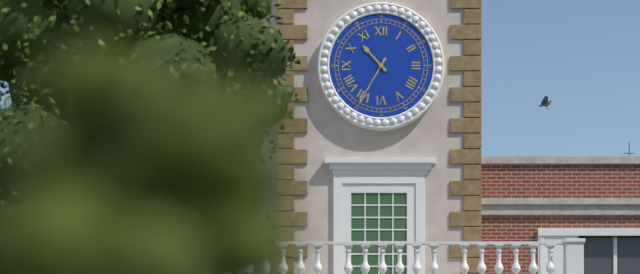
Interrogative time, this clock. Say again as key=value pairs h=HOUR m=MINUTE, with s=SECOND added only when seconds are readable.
h=10 m=35
